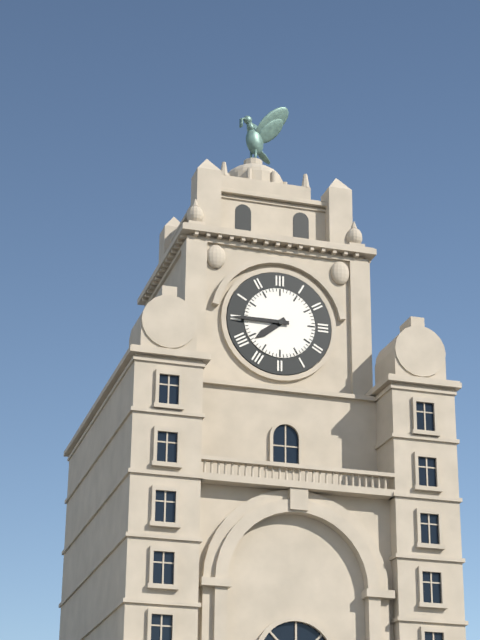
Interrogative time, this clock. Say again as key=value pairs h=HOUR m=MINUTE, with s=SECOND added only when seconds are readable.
h=7 m=45
